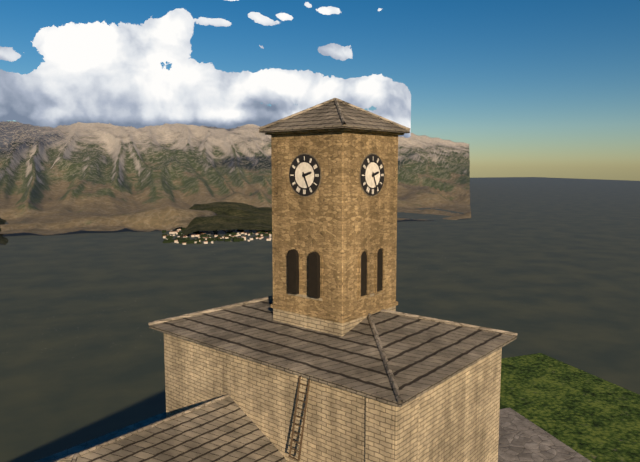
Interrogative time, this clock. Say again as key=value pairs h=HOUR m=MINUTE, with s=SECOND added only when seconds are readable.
h=2 m=26
